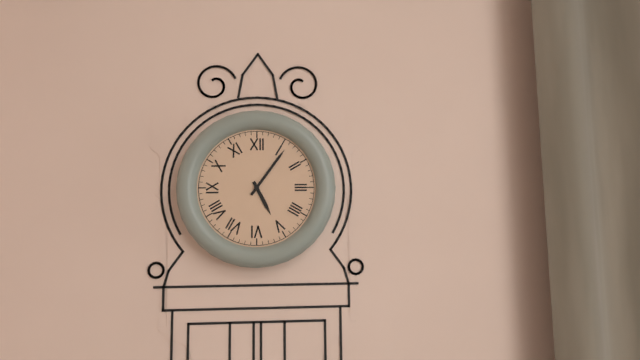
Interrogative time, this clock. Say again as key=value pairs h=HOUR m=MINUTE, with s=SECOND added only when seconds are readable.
h=5 m=6
